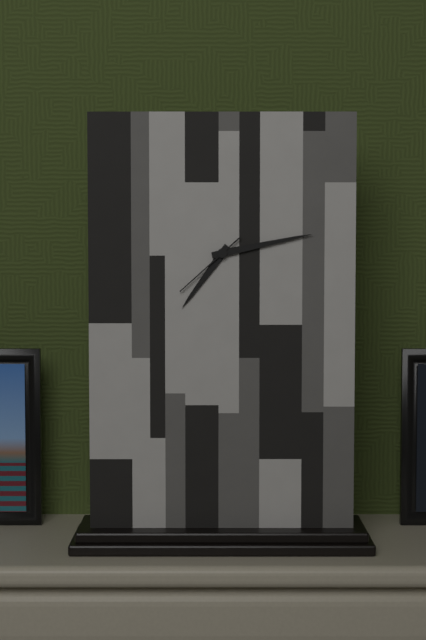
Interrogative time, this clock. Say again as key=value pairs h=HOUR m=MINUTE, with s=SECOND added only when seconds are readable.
h=7 m=13 s=38
